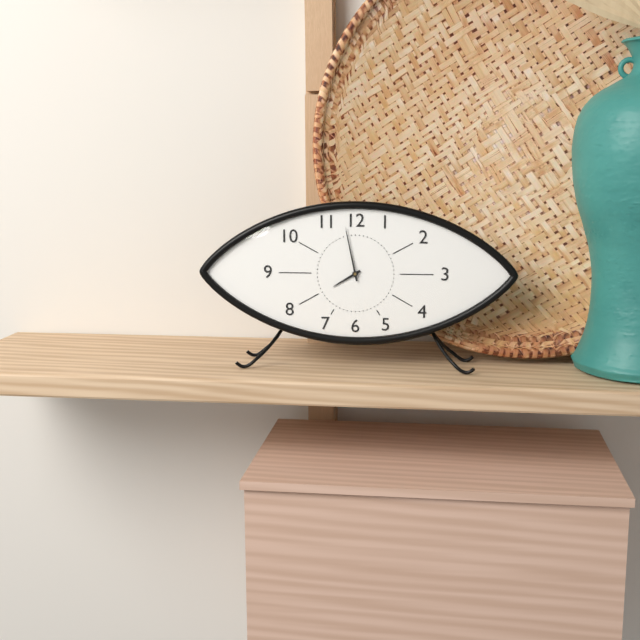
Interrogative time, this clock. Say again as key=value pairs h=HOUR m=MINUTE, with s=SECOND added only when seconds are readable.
h=7 m=58
